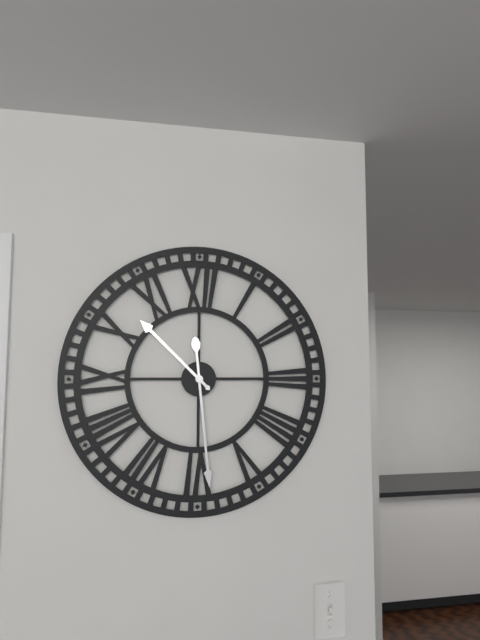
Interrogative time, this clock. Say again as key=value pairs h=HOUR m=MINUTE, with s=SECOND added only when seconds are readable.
h=10 m=29
